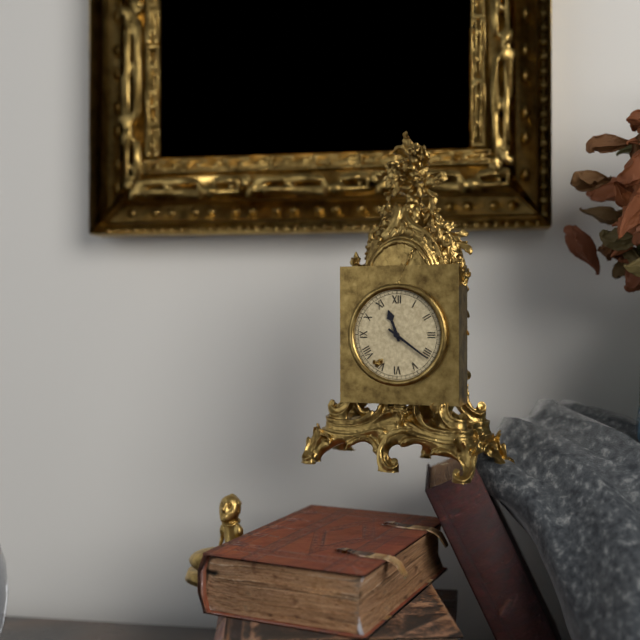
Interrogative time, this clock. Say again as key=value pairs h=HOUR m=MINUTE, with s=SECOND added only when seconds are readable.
h=11 m=21
